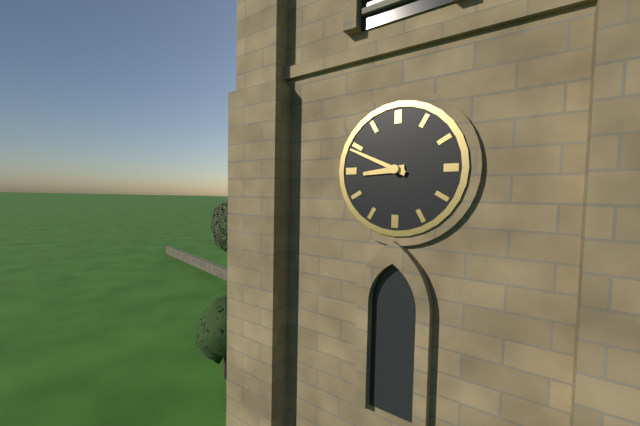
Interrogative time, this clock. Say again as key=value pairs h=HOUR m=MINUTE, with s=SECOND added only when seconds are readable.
h=8 m=49
